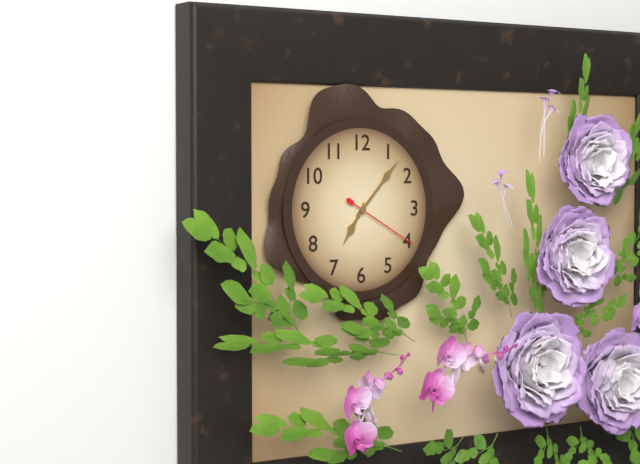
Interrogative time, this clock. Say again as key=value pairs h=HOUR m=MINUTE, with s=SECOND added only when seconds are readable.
h=7 m=7 s=20
